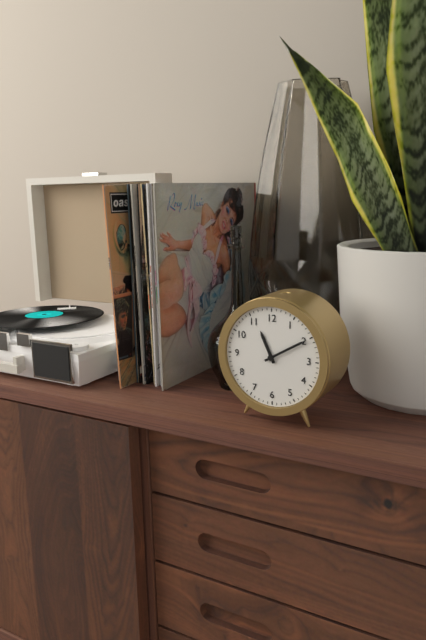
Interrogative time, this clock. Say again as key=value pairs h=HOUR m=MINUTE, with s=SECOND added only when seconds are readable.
h=11 m=10
